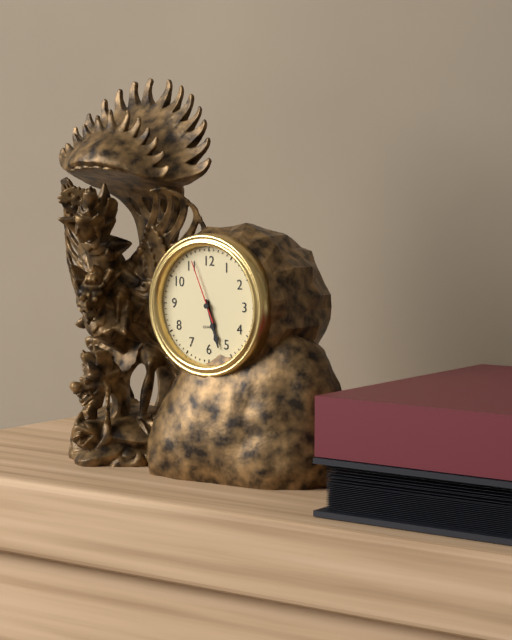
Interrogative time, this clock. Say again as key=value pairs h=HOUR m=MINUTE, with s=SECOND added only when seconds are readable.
h=5 m=27 s=56
